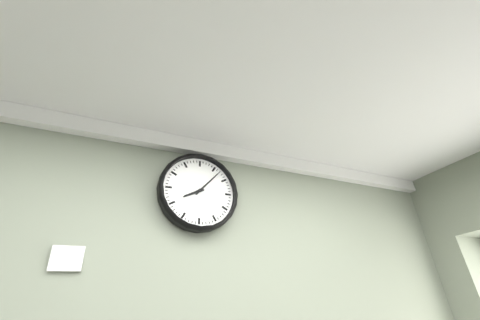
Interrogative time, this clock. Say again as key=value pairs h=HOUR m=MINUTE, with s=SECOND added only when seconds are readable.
h=8 m=7
